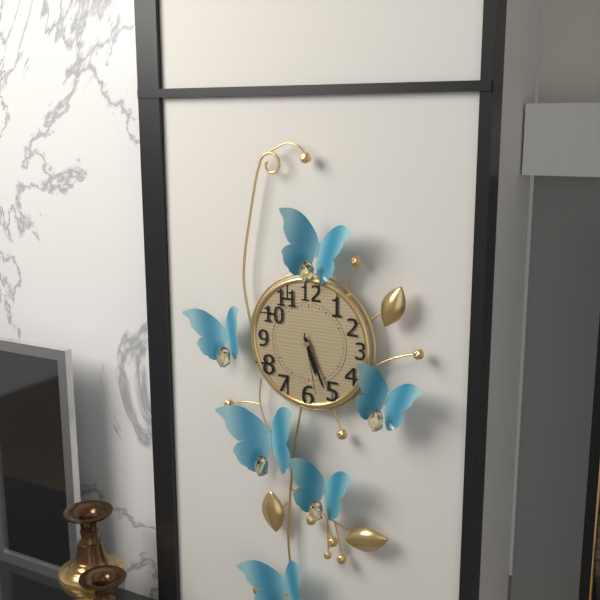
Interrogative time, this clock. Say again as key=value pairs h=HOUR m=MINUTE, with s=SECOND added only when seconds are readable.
h=5 m=26 s=28
